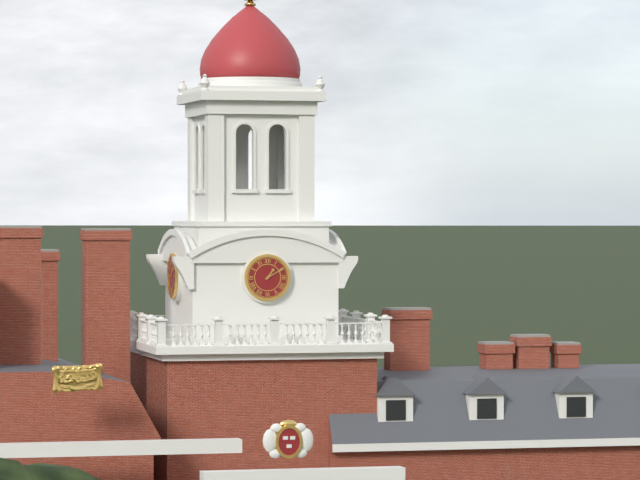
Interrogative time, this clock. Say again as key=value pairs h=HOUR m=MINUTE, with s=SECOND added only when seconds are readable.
h=1 m=10
